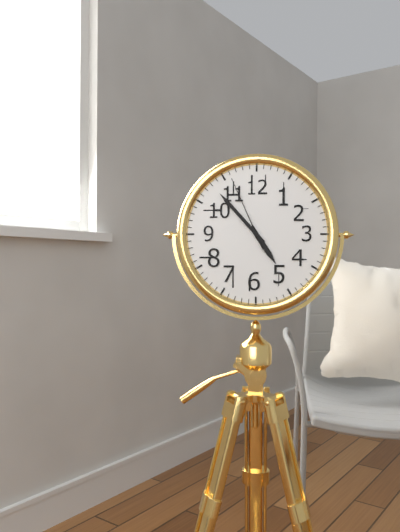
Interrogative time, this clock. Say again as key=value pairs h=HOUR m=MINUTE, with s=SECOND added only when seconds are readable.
h=4 m=53 s=56
